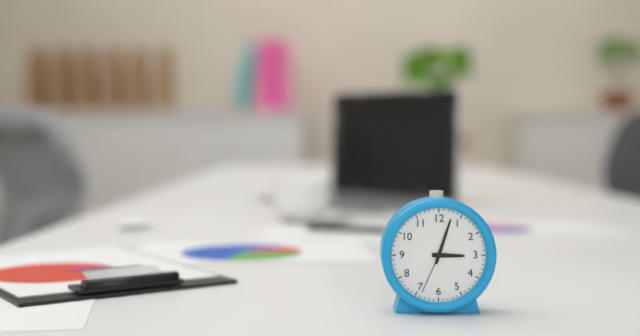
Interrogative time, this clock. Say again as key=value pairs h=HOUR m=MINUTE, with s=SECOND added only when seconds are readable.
h=3 m=3 s=34
